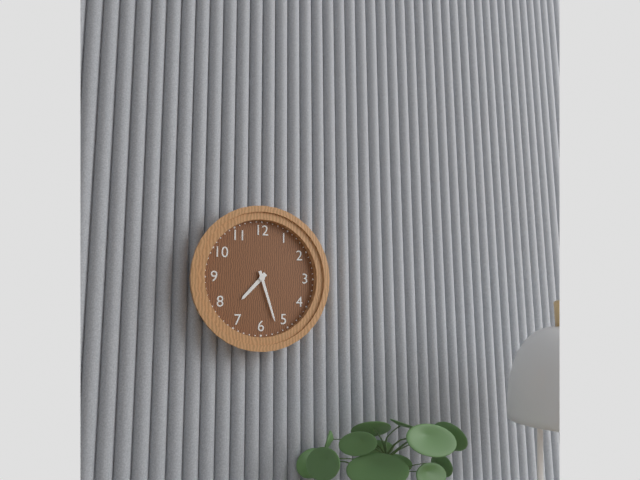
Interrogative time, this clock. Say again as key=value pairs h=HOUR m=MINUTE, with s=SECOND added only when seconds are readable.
h=7 m=27
